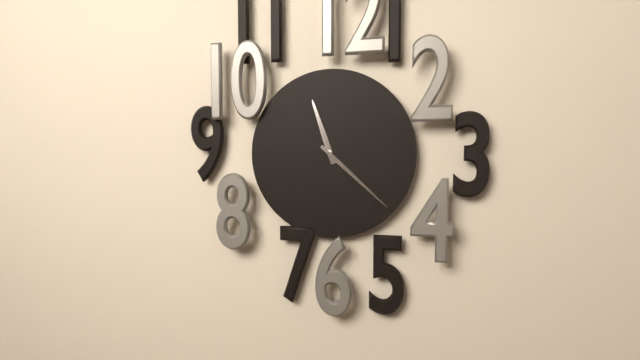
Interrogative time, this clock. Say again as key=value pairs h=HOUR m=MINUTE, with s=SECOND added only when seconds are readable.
h=11 m=22
